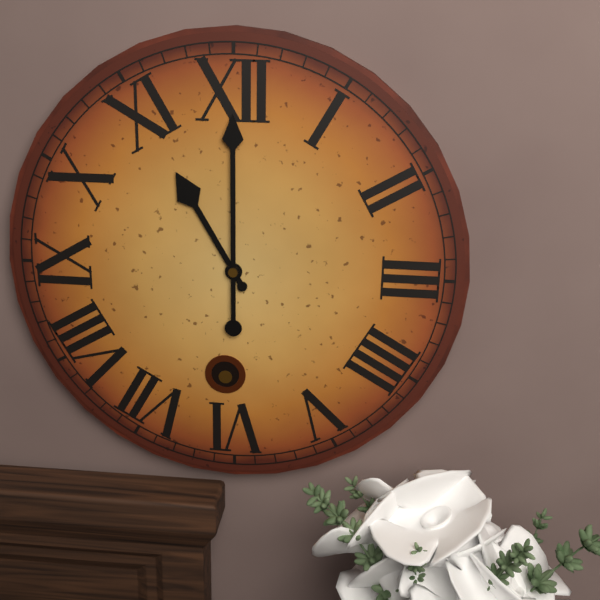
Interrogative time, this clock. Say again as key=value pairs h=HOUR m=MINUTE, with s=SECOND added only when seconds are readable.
h=11 m=0
